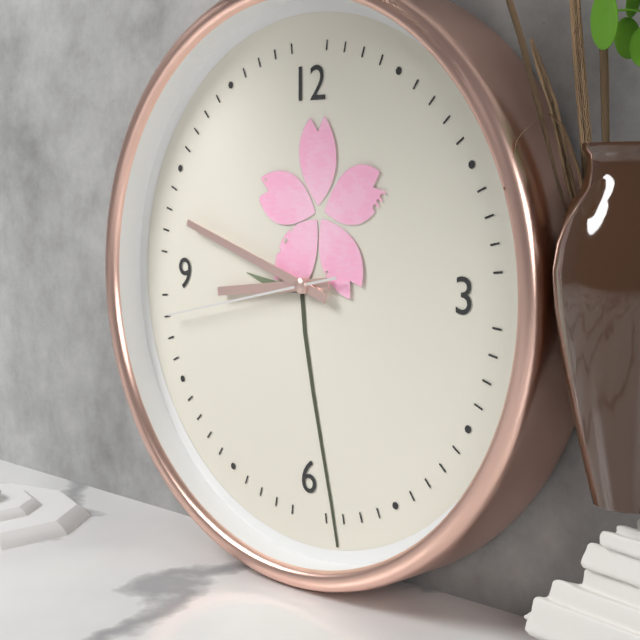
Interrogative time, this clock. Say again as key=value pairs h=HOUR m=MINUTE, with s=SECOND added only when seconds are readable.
h=8 m=48 s=43
